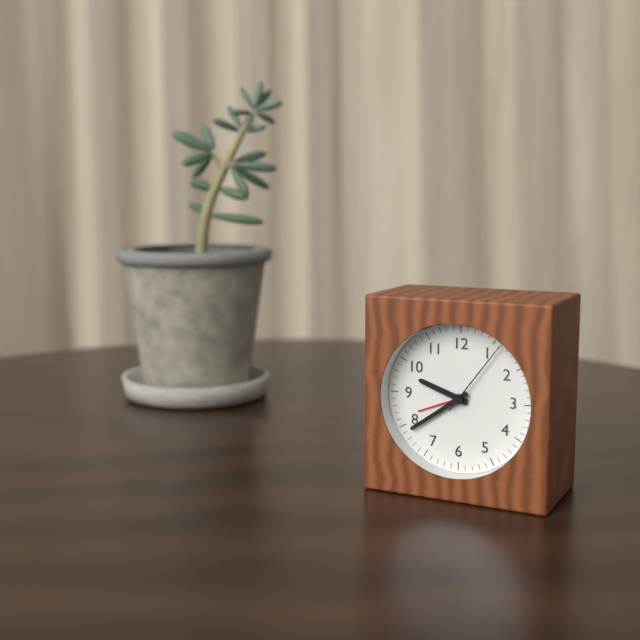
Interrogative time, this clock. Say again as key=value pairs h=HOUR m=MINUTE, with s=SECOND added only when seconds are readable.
h=9 m=39 s=6
